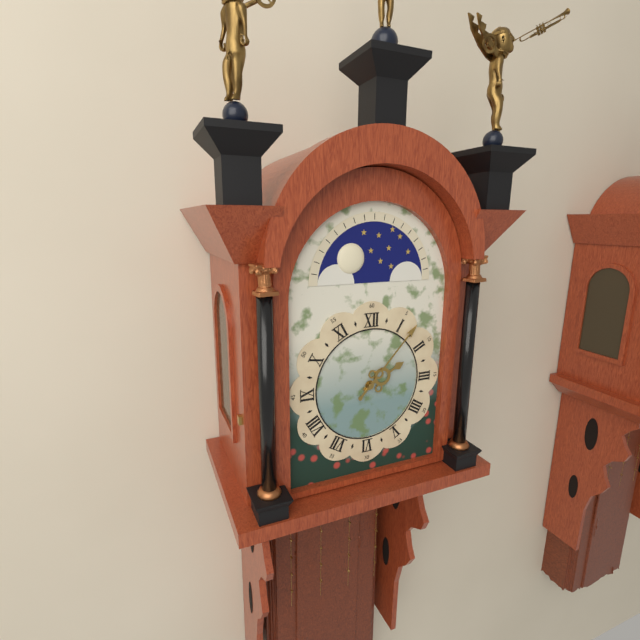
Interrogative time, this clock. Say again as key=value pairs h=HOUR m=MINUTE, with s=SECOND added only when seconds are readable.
h=2 m=7
